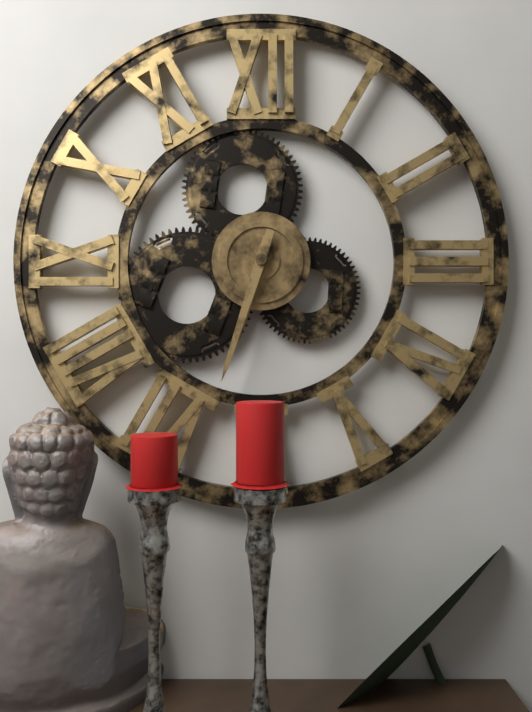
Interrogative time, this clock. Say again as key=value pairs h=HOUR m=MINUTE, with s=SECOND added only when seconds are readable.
h=6 m=33
